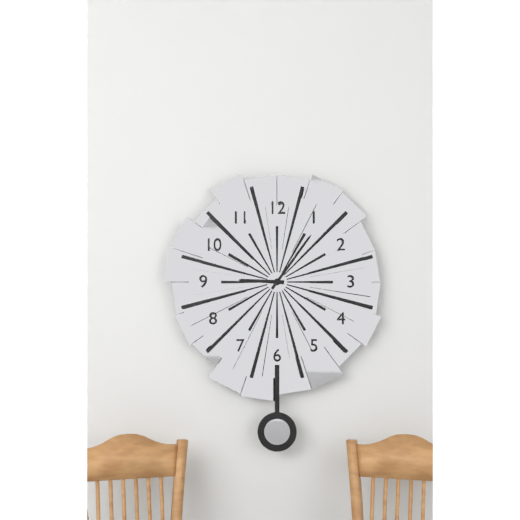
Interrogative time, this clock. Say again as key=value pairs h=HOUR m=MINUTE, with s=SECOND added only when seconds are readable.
h=9 m=6
